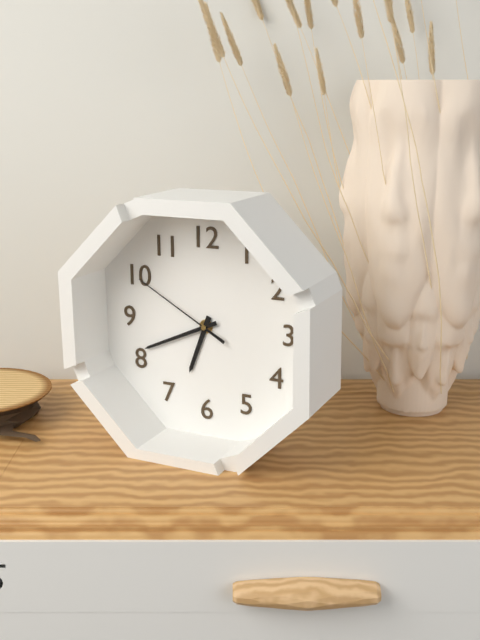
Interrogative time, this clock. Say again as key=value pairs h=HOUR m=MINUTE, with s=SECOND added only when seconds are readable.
h=6 m=41 s=50
